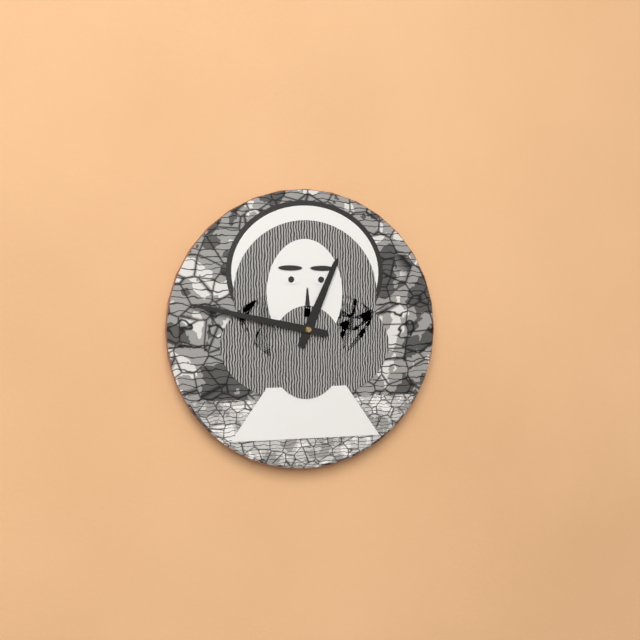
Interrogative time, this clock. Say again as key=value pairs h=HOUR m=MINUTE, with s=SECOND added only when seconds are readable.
h=12 m=47
